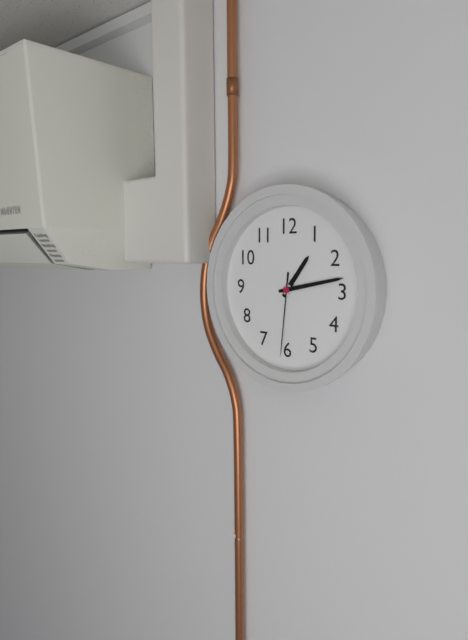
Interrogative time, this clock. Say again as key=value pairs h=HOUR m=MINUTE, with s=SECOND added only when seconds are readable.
h=1 m=13 s=31
